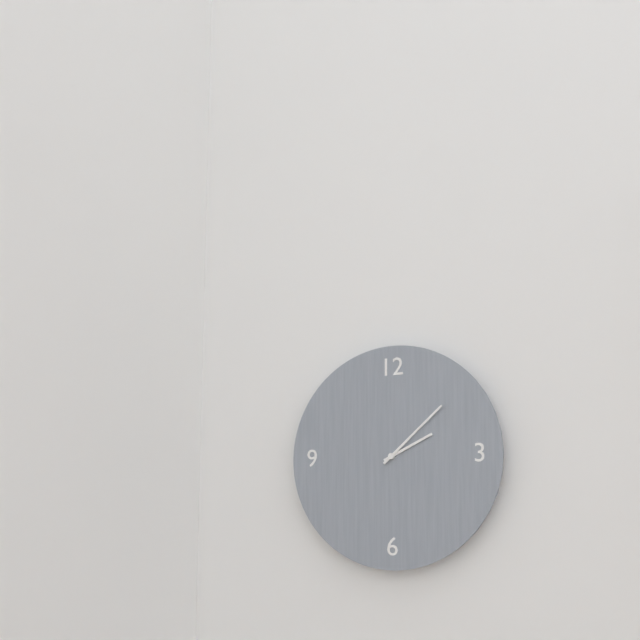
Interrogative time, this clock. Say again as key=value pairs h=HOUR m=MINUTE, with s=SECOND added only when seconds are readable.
h=2 m=8
